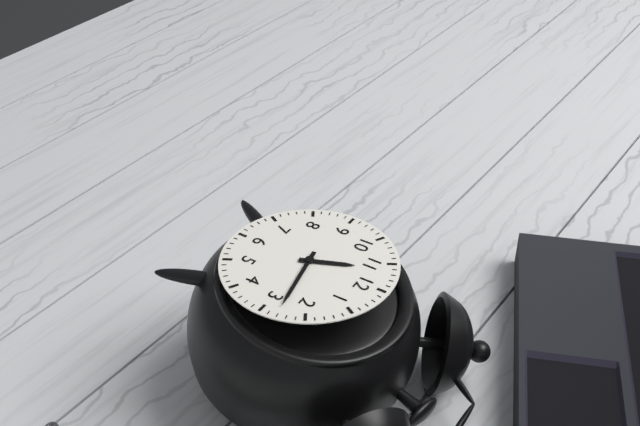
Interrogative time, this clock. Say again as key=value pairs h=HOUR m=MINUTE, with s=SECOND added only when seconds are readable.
h=11 m=13
